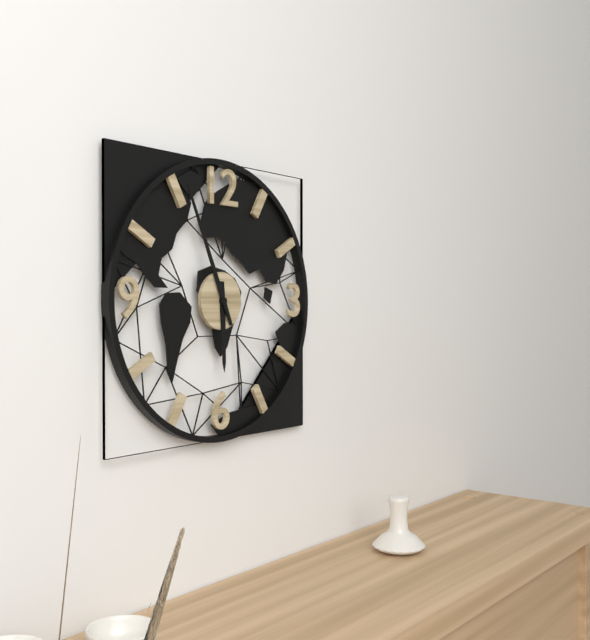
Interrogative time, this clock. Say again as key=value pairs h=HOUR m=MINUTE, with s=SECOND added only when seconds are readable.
h=5 m=56
